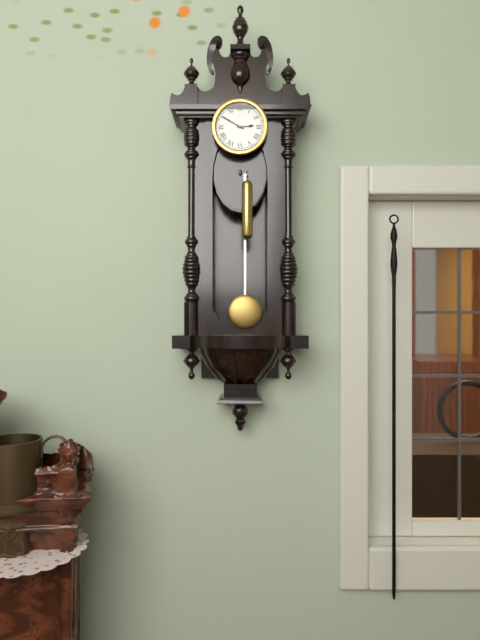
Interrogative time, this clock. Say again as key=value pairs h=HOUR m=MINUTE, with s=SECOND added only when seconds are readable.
h=2 m=50
